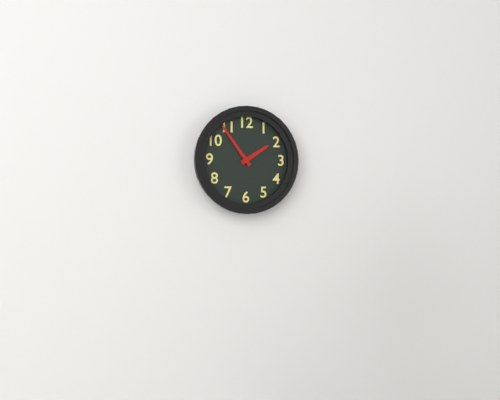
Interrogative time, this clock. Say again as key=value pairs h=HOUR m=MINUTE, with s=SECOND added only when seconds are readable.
h=1 m=54
